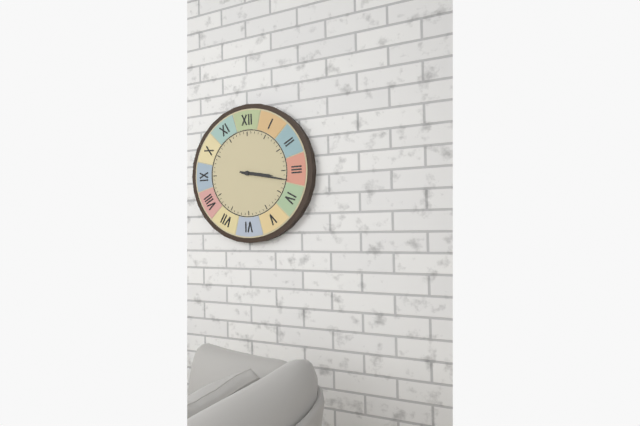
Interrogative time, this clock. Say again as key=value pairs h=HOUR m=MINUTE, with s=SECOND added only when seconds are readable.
h=3 m=17
